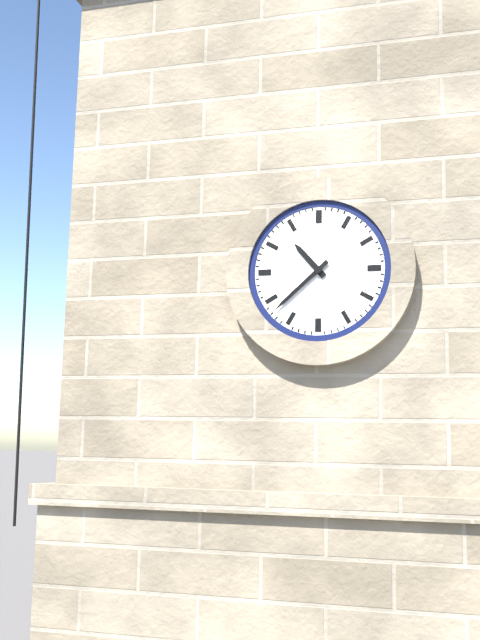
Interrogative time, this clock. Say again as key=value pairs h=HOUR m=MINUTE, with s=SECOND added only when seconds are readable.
h=10 m=38
